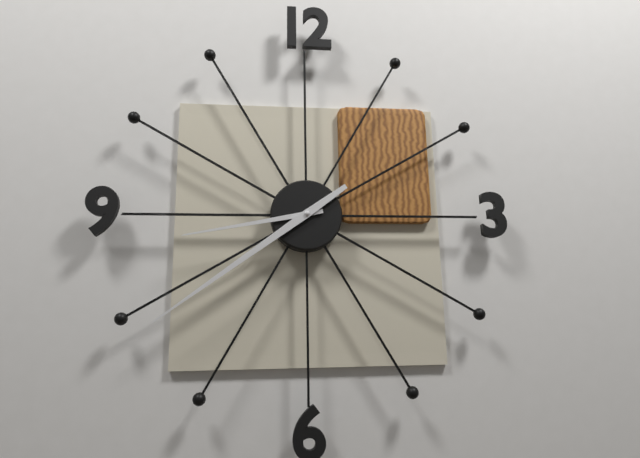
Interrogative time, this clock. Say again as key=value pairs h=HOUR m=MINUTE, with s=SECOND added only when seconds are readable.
h=8 m=39
